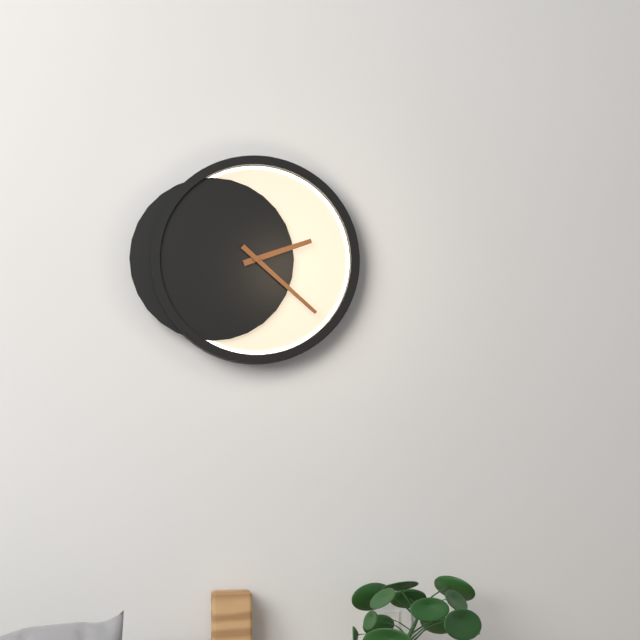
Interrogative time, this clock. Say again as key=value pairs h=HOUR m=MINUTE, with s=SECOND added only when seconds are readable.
h=2 m=22
